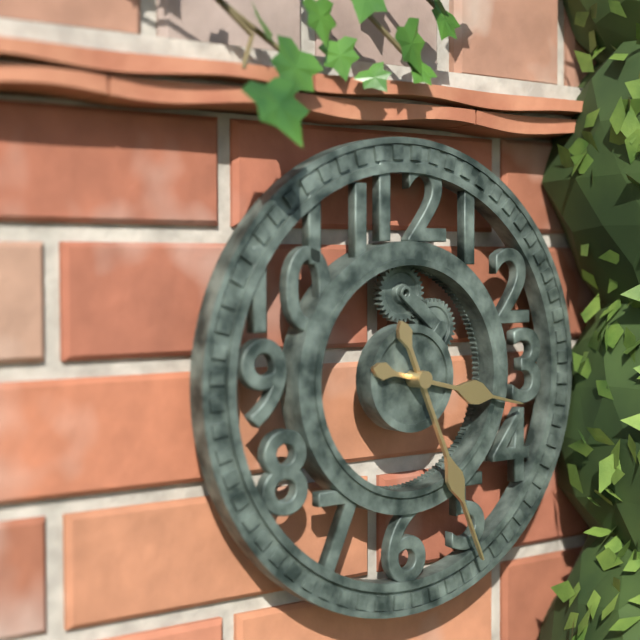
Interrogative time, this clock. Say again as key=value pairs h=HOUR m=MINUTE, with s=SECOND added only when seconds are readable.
h=3 m=26
